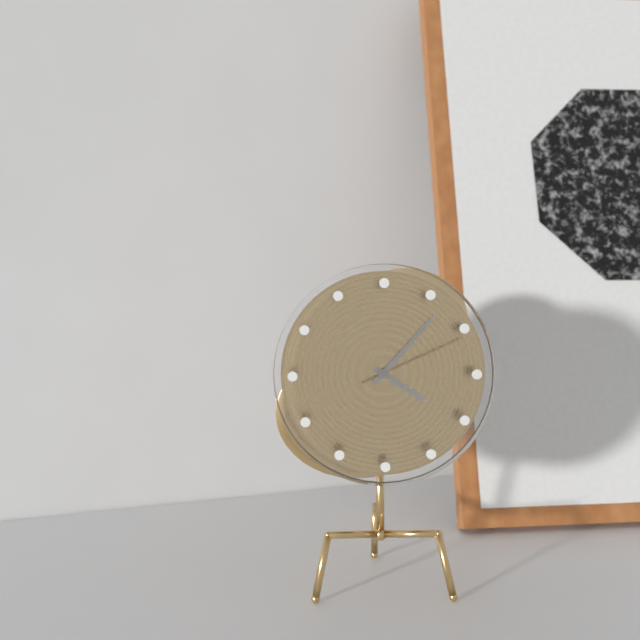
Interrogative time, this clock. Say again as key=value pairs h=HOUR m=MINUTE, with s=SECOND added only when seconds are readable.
h=4 m=7 s=11
